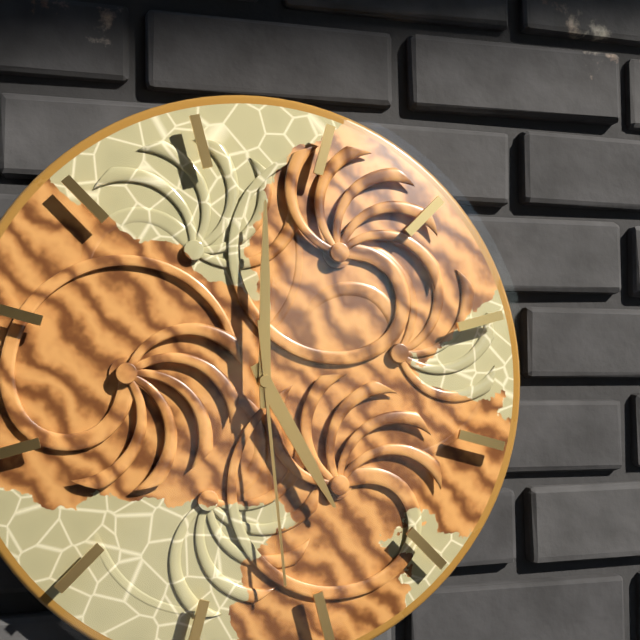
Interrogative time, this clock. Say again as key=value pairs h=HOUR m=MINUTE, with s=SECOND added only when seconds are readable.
h=5 m=0 s=29
